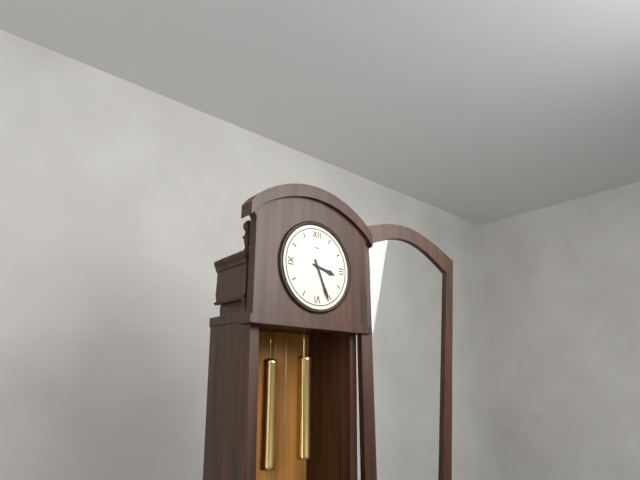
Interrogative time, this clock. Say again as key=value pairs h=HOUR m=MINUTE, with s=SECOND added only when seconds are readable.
h=3 m=26
